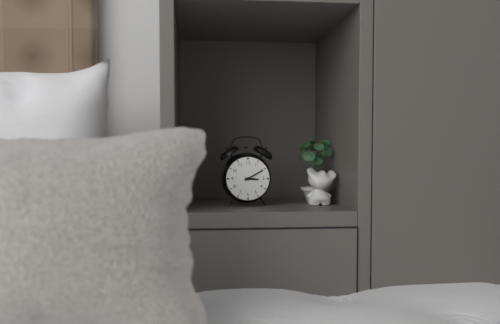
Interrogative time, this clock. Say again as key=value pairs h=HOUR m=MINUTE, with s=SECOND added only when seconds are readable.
h=3 m=10
